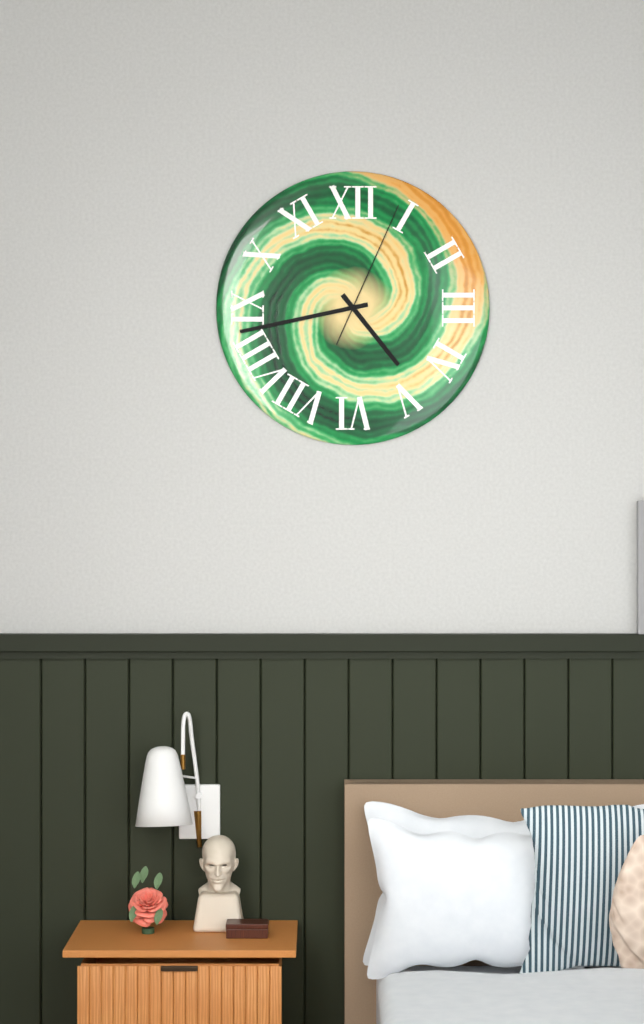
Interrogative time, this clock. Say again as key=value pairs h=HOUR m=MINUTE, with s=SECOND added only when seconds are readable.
h=4 m=43 s=4
